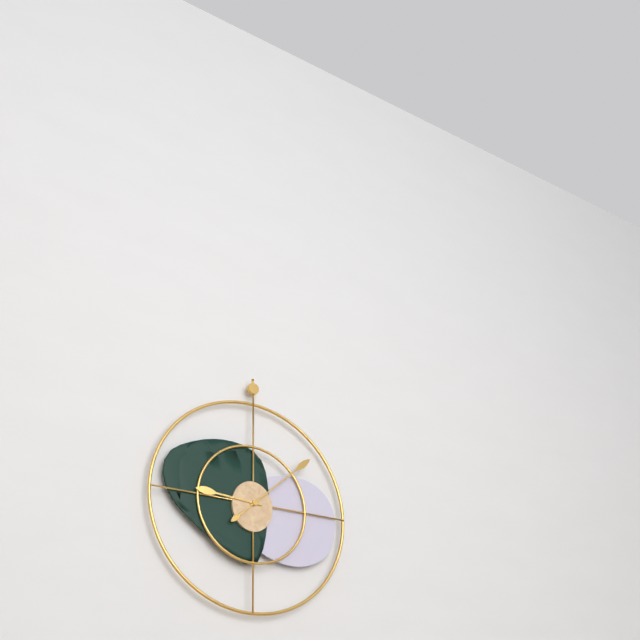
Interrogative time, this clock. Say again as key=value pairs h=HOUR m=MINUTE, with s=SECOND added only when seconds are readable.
h=9 m=8
